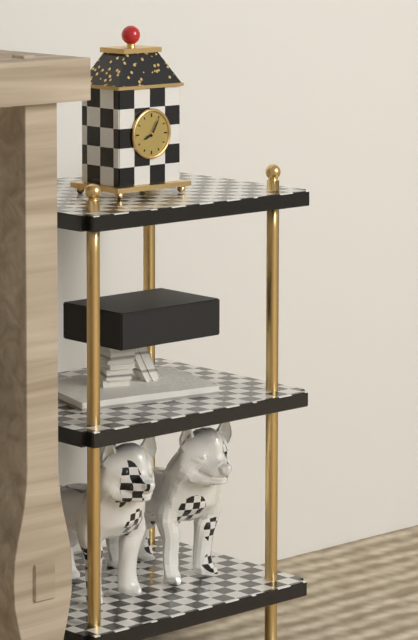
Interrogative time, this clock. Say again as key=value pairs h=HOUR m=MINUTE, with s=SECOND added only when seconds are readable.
h=8 m=5
